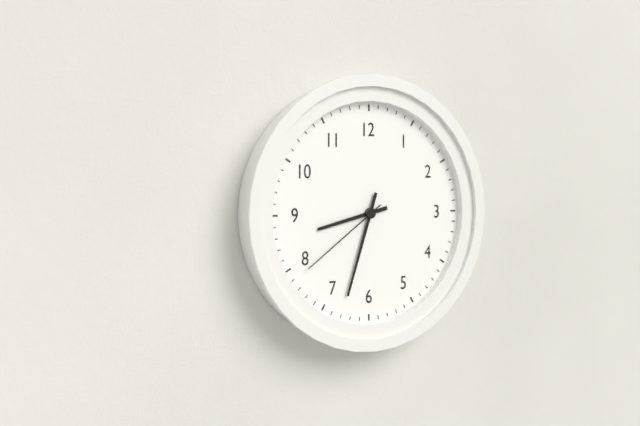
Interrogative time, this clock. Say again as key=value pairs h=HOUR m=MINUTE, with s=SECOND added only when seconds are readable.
h=8 m=33 s=39
